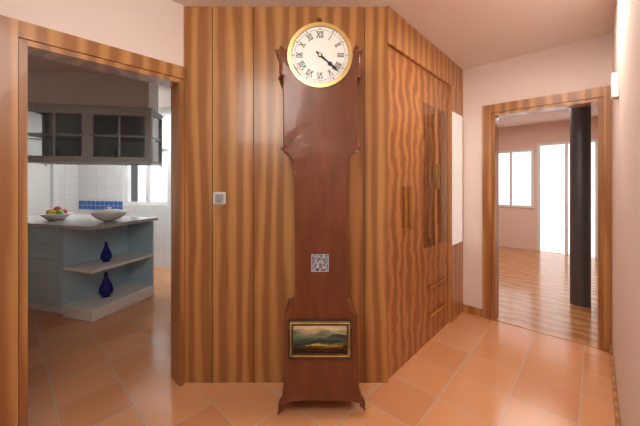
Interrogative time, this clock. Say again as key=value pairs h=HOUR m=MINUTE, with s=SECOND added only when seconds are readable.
h=4 m=22
